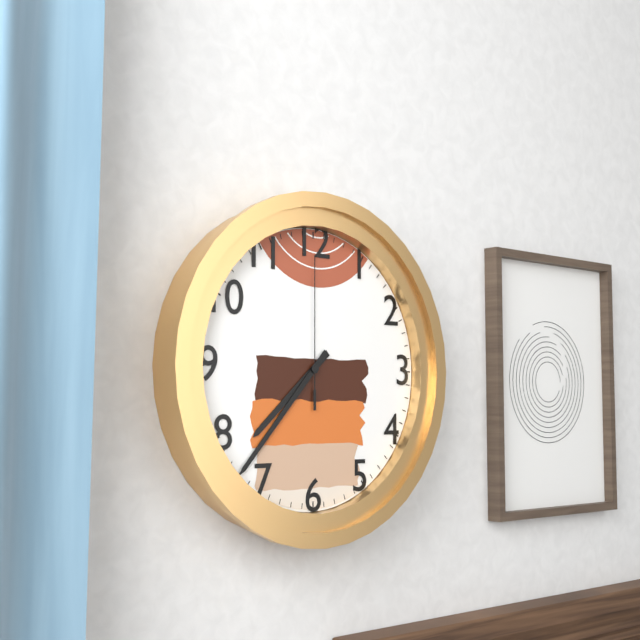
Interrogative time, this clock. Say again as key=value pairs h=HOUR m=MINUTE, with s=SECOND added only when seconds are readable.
h=7 m=37 s=0
